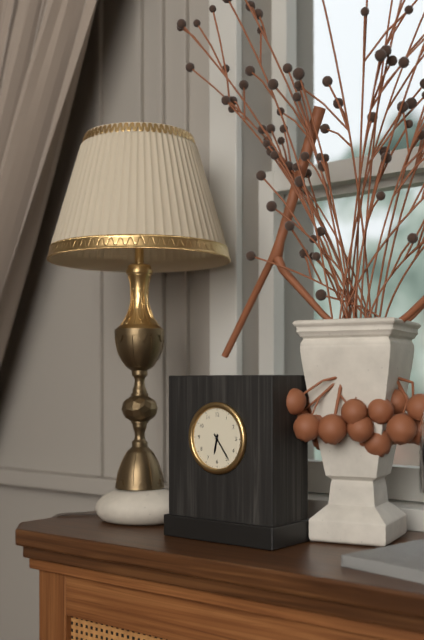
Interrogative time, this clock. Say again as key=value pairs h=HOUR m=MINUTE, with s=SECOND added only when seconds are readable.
h=6 m=24
